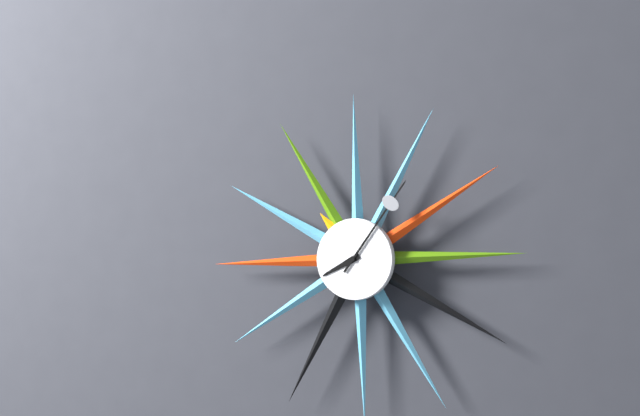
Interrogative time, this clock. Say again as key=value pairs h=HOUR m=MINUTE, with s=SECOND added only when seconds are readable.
h=8 m=6
